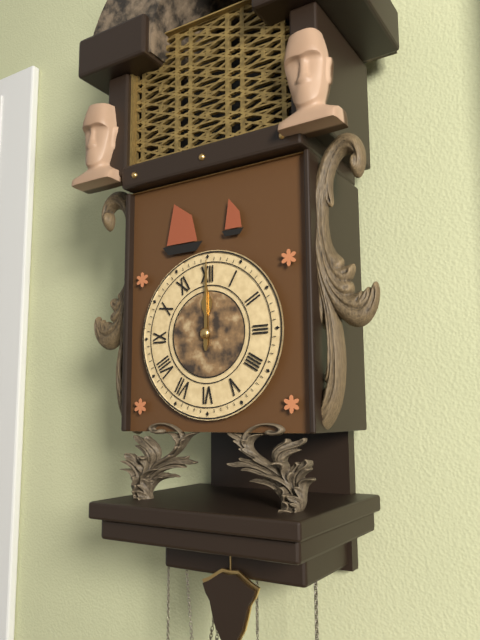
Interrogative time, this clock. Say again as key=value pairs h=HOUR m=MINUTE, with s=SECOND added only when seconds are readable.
h=12 m=0
